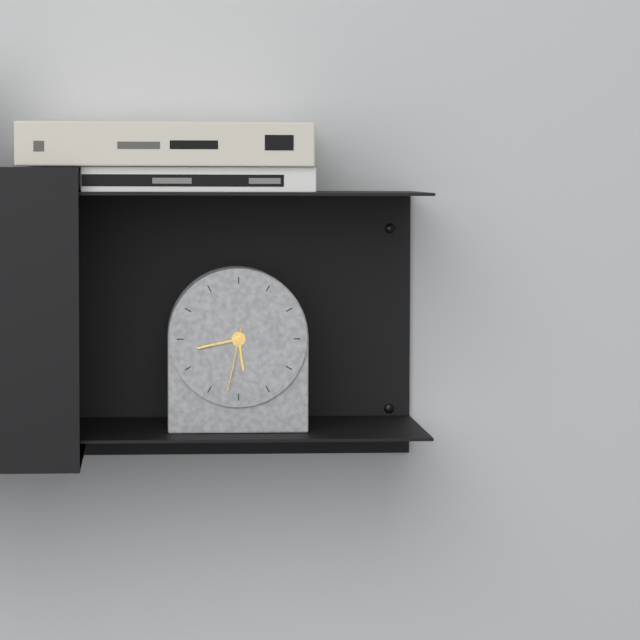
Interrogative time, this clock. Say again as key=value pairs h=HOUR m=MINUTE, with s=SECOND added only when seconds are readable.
h=5 m=43 s=32
